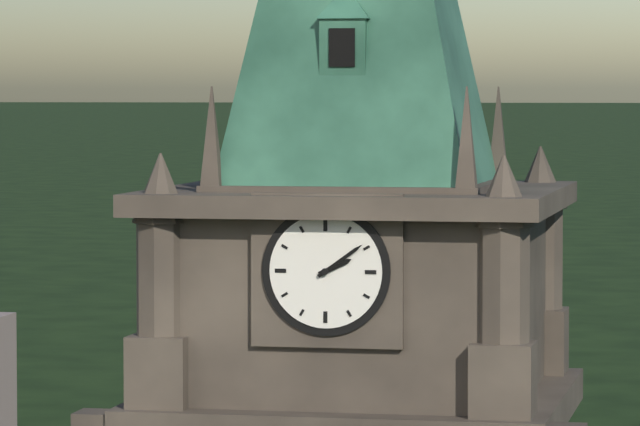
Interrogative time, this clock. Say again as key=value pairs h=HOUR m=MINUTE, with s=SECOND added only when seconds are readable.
h=2 m=9
